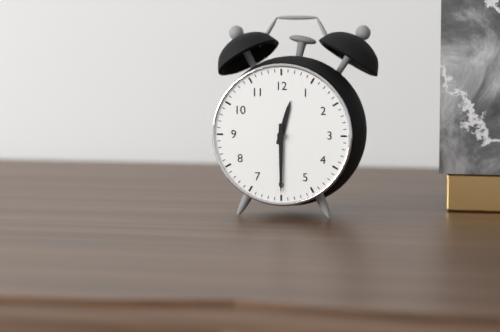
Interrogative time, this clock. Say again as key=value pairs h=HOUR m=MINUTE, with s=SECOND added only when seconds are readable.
h=12 m=30
